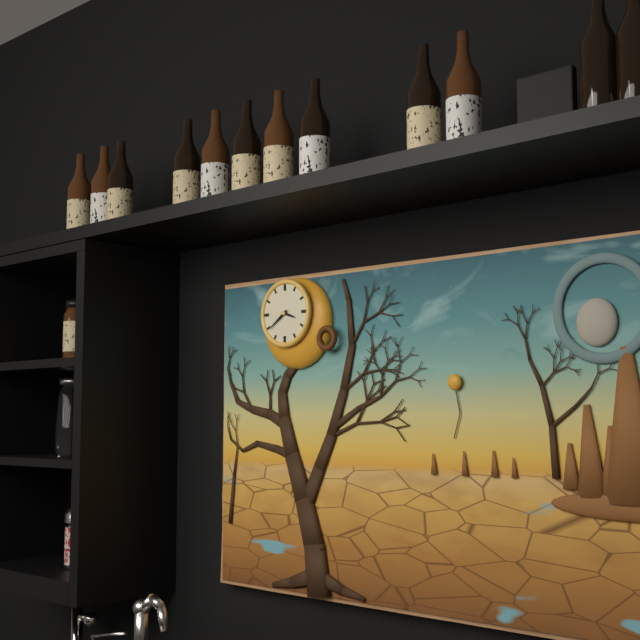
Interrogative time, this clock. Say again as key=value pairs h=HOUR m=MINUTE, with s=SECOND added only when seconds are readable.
h=3 m=39
